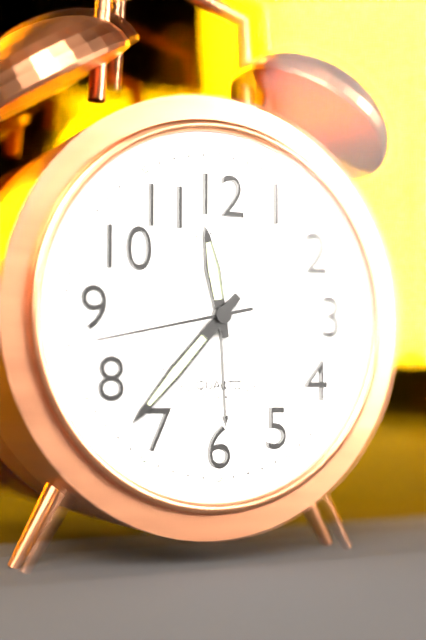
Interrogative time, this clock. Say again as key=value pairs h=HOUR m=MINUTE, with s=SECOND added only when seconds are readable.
h=11 m=37 s=43
